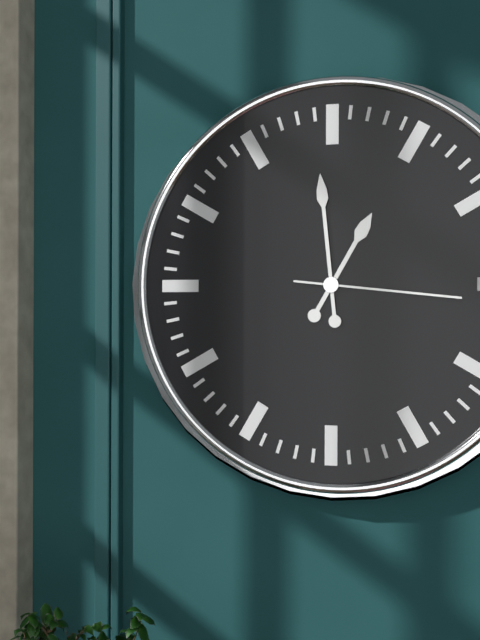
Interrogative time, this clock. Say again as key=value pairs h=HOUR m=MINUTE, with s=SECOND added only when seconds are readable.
h=12 m=59 s=16
